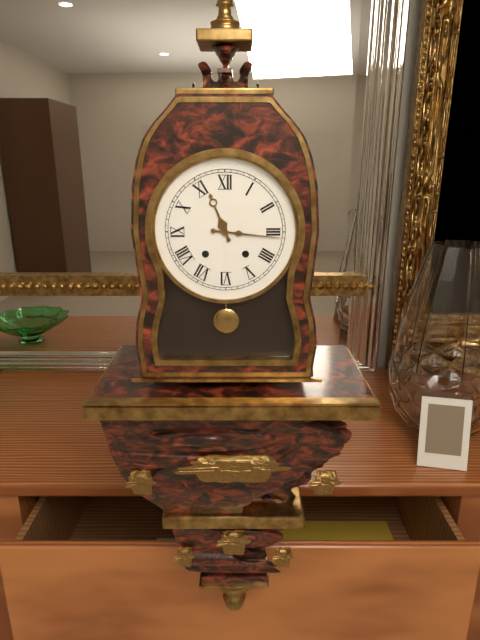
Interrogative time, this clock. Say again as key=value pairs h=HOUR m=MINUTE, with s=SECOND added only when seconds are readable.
h=11 m=16
